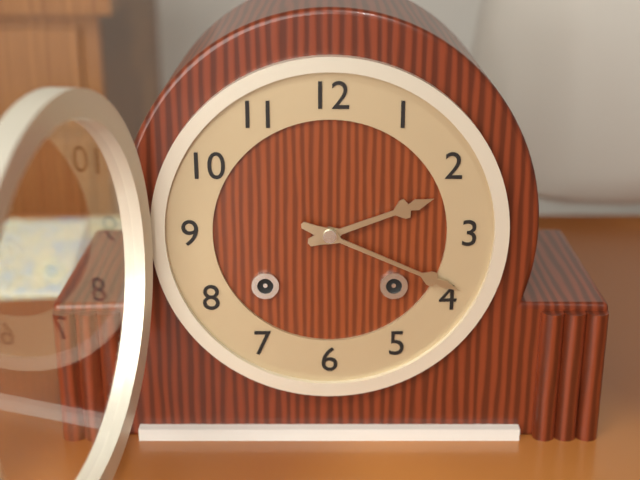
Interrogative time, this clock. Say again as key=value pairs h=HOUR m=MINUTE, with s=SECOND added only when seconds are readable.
h=2 m=19
